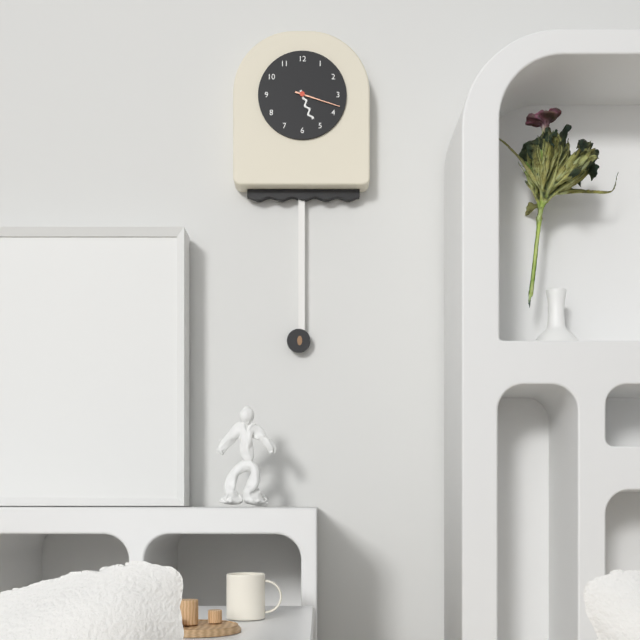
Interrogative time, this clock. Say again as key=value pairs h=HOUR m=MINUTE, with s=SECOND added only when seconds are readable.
h=5 m=18
